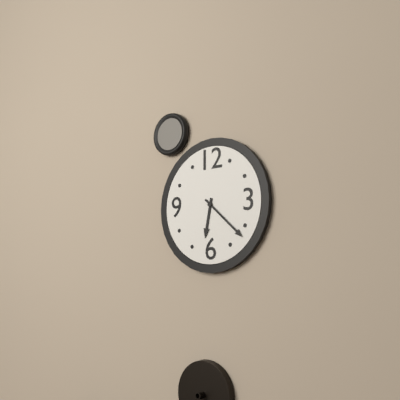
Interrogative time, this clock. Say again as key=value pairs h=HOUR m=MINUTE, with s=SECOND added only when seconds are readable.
h=6 m=22
